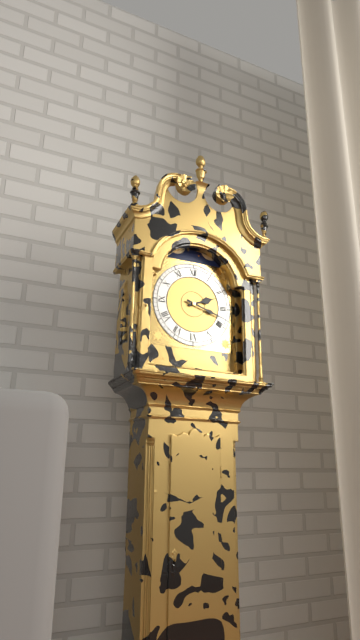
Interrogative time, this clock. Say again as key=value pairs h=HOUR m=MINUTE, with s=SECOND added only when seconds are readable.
h=2 m=18
